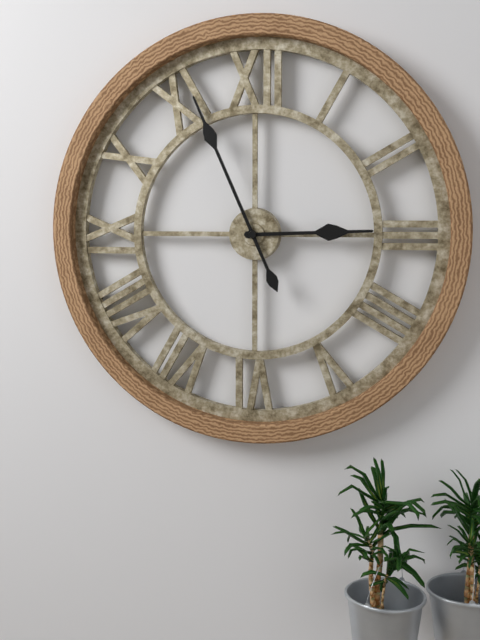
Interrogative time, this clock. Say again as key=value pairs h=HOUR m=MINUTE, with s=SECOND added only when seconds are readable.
h=2 m=56
